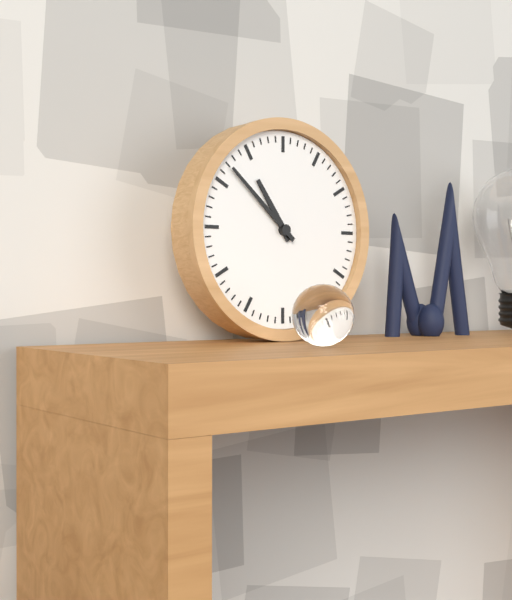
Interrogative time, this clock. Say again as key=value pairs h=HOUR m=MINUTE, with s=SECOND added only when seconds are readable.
h=10 m=52
